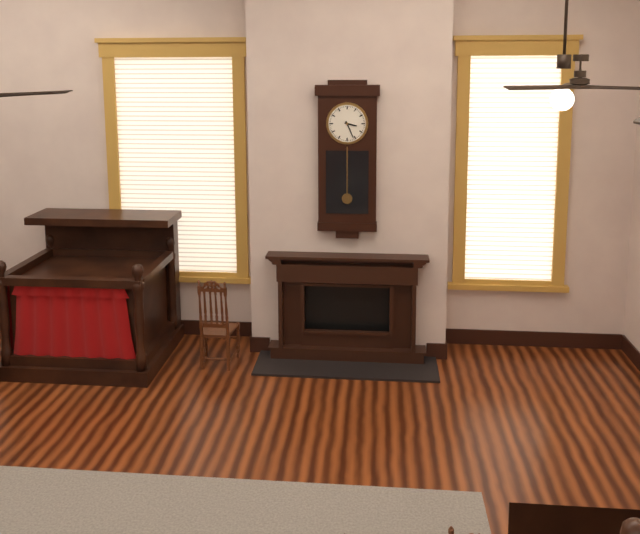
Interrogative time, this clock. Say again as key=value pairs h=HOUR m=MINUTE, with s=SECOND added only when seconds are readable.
h=3 m=26
